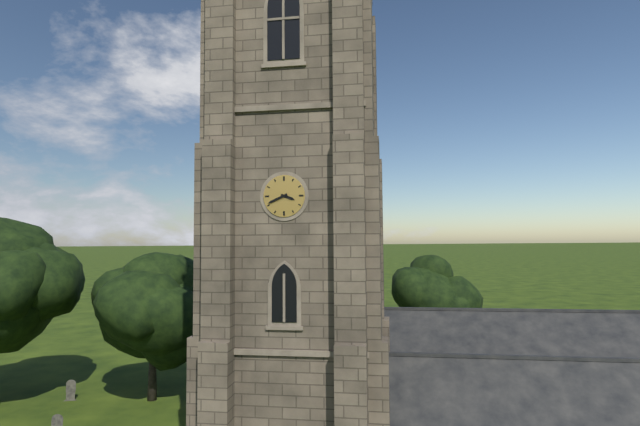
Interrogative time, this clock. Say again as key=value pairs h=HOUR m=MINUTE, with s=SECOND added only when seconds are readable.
h=3 m=41
